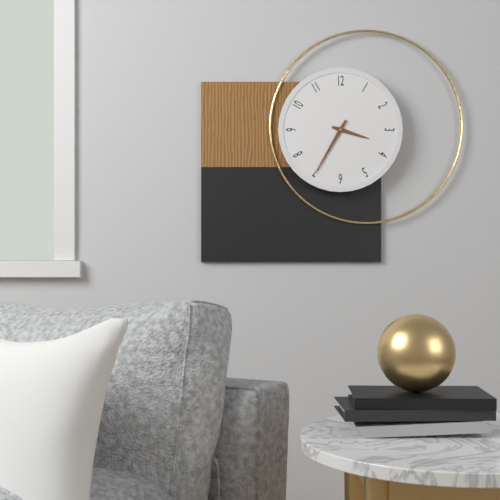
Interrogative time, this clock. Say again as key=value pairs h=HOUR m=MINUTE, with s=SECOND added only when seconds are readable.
h=3 m=35
